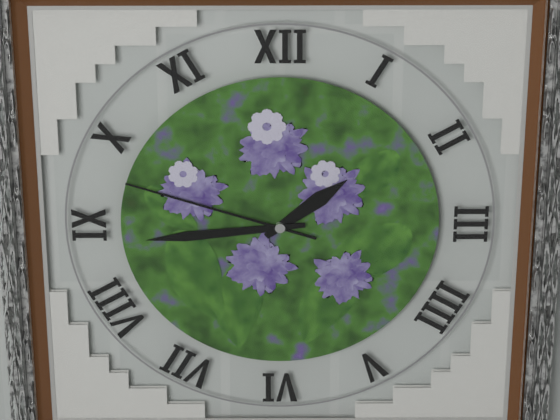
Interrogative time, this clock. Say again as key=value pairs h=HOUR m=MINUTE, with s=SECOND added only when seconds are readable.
h=1 m=44 s=48
